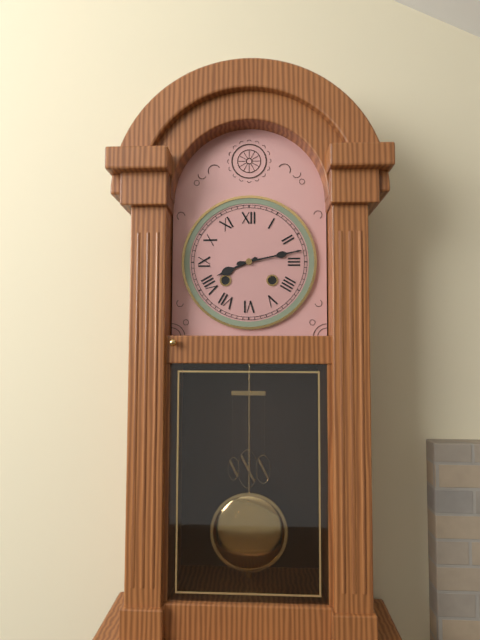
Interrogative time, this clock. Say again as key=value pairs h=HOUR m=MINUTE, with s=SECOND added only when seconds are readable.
h=8 m=13
